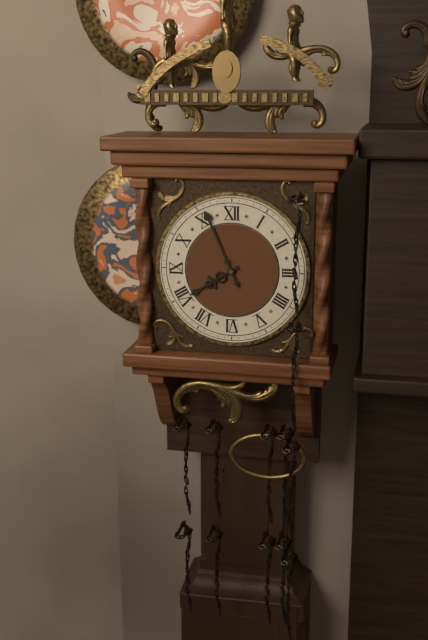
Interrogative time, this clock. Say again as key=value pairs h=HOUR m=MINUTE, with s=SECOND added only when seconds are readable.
h=7 m=56
